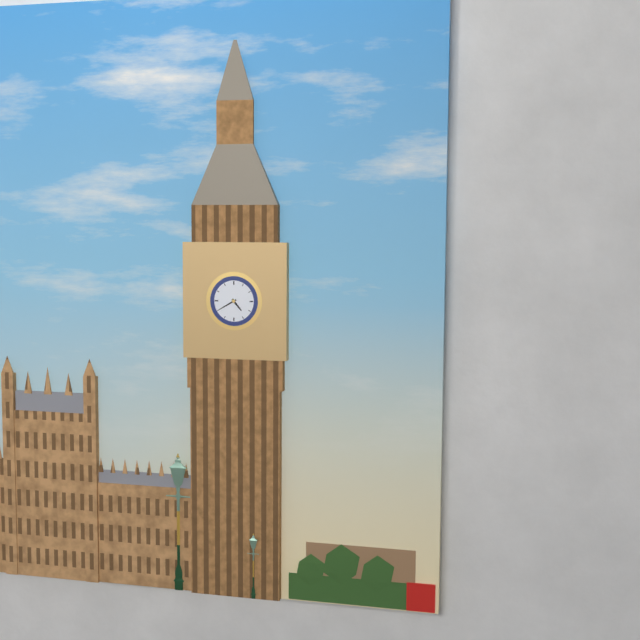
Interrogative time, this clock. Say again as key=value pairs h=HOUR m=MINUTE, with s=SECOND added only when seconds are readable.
h=4 m=40
